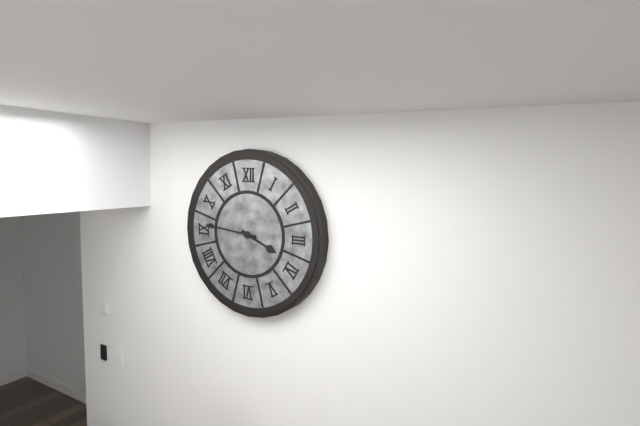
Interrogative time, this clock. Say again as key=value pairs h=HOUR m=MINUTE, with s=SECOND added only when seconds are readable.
h=3 m=46
